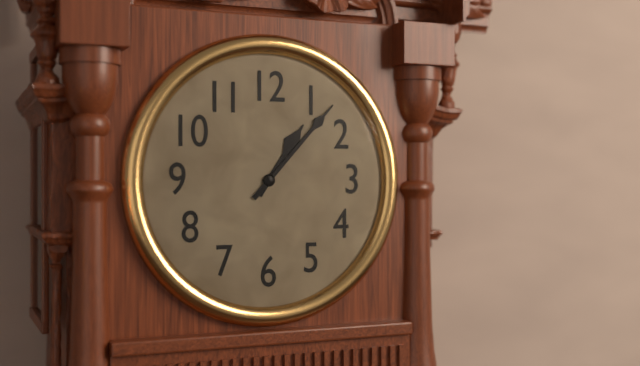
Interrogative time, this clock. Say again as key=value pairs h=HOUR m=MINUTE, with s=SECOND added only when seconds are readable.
h=1 m=7
